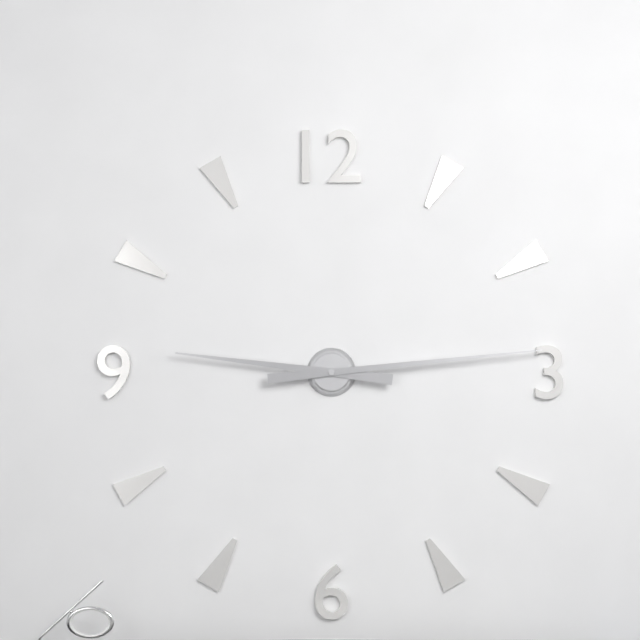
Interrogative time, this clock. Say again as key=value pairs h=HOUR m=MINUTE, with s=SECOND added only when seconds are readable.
h=9 m=14
